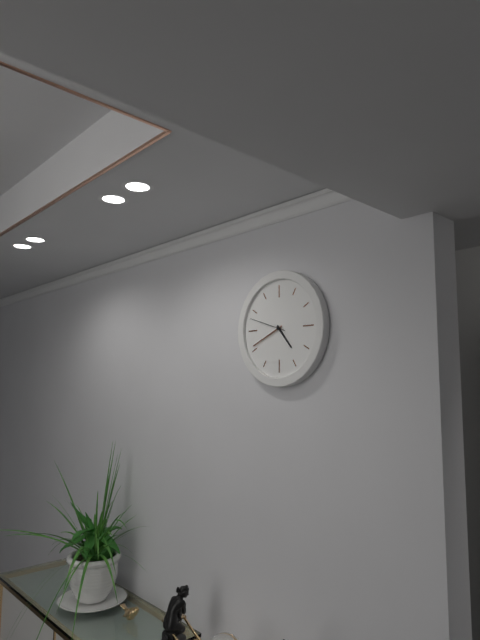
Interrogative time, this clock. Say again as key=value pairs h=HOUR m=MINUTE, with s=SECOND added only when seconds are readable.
h=4 m=41
